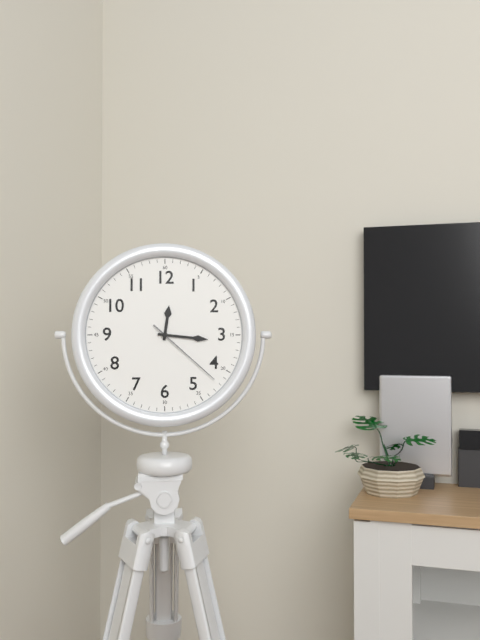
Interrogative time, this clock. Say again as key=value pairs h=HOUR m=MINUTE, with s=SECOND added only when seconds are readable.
h=12 m=16 s=22
